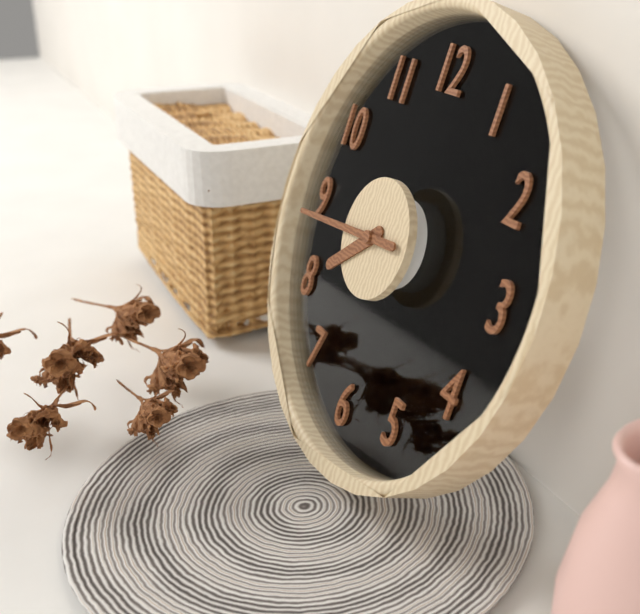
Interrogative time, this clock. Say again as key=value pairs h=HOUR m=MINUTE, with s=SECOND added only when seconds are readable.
h=7 m=44
